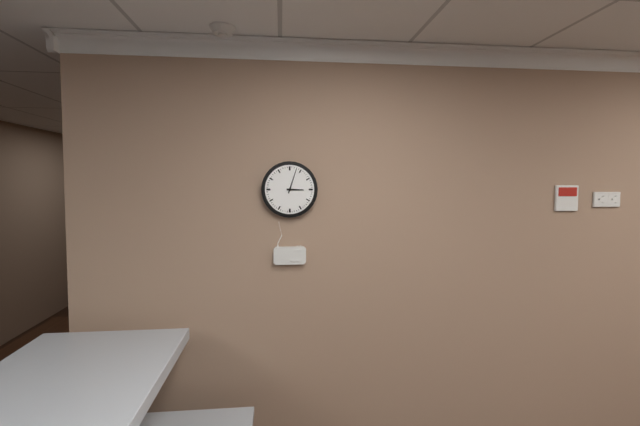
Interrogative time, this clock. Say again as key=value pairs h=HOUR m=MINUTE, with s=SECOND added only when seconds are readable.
h=3 m=3
